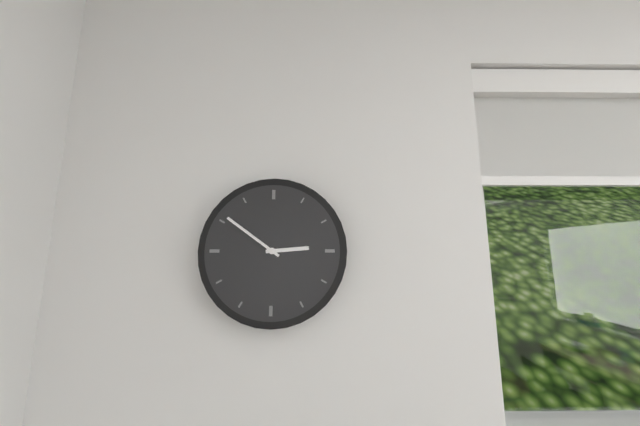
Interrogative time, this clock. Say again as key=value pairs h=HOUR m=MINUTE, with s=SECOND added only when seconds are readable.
h=2 m=51
